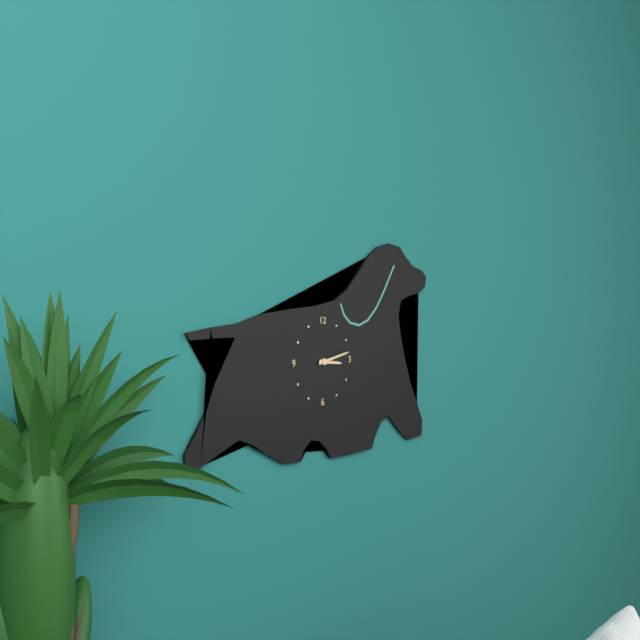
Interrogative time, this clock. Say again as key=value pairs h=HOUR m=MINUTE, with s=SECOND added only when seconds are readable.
h=3 m=13
